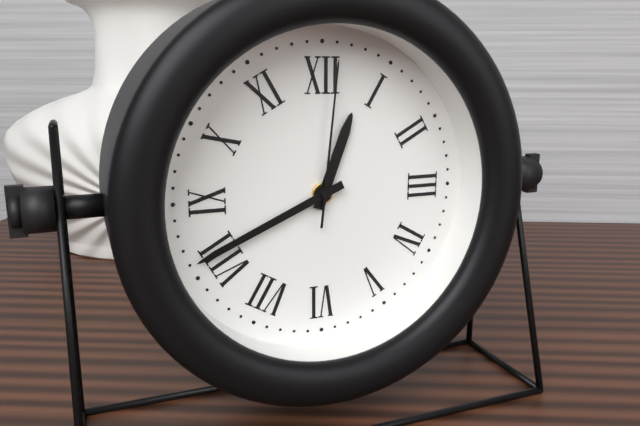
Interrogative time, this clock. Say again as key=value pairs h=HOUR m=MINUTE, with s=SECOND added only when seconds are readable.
h=12 m=41 s=1
